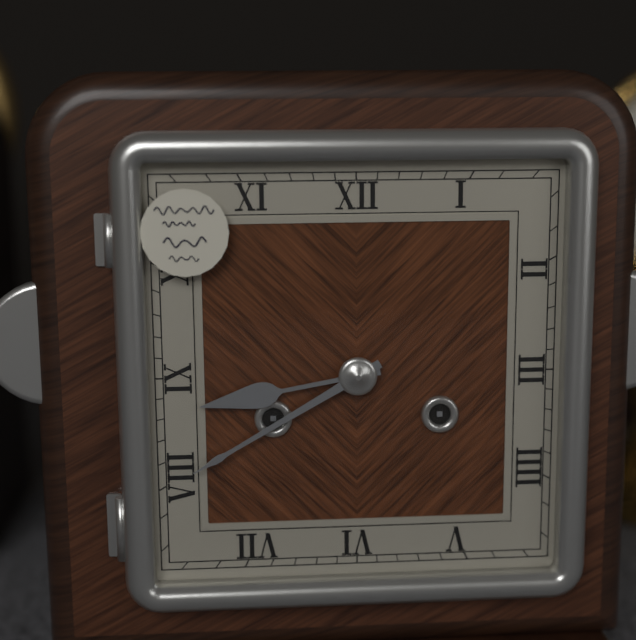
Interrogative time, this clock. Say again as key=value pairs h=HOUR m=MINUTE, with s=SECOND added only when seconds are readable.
h=8 m=40
